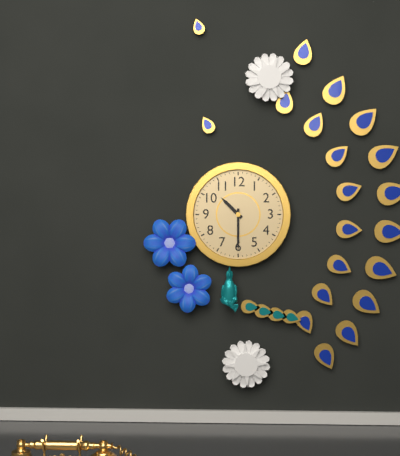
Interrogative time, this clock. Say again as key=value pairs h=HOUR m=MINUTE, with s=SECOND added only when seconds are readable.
h=10 m=30
